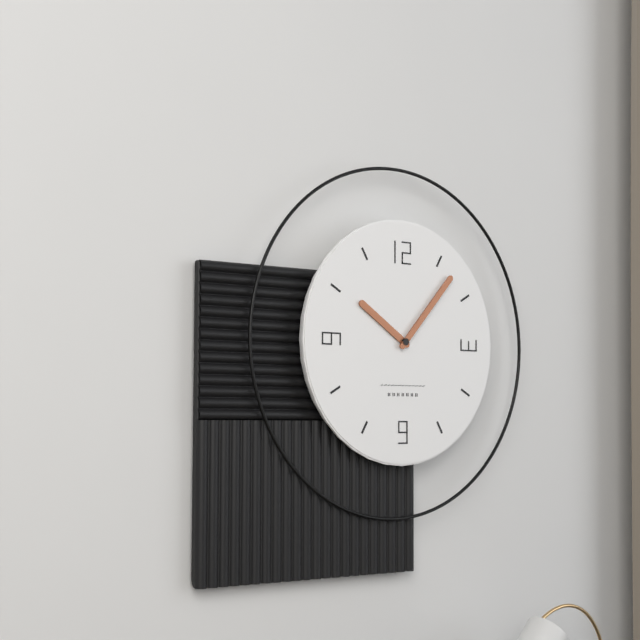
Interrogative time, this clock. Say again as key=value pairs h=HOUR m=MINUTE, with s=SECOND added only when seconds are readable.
h=10 m=7
